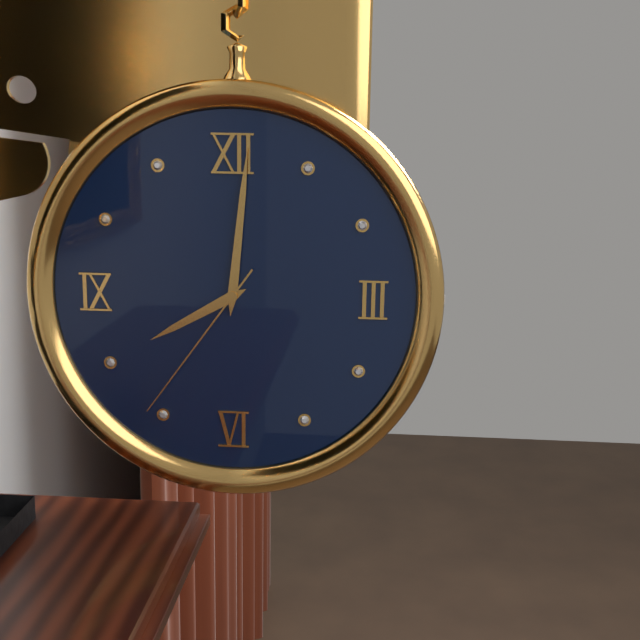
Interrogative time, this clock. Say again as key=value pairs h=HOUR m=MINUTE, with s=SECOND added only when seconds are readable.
h=8 m=1 s=36
